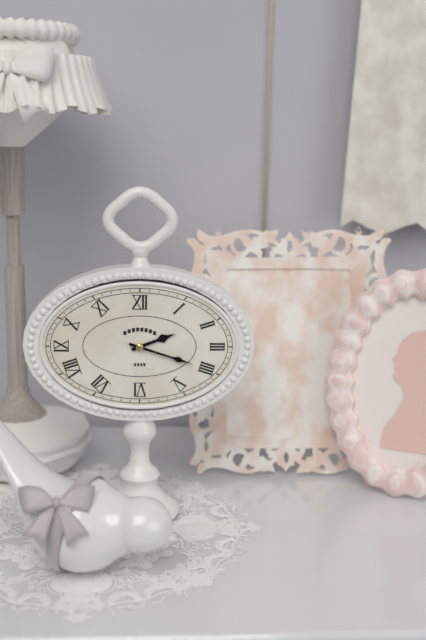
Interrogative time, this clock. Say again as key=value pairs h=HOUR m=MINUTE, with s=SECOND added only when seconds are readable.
h=2 m=18
